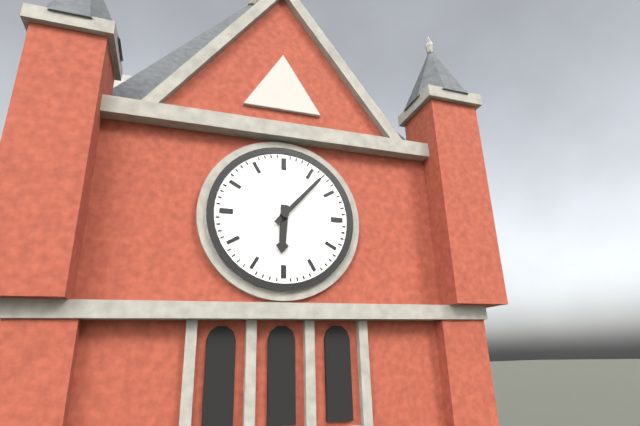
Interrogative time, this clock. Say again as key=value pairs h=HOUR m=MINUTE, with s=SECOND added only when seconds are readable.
h=6 m=7
